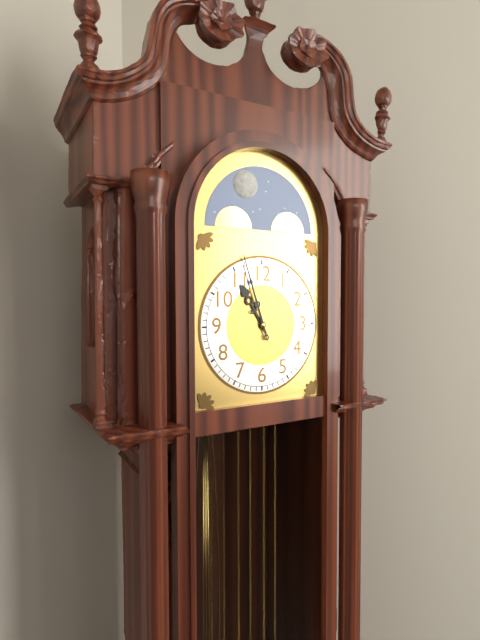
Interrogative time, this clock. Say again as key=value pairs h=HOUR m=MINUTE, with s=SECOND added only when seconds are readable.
h=10 m=57
